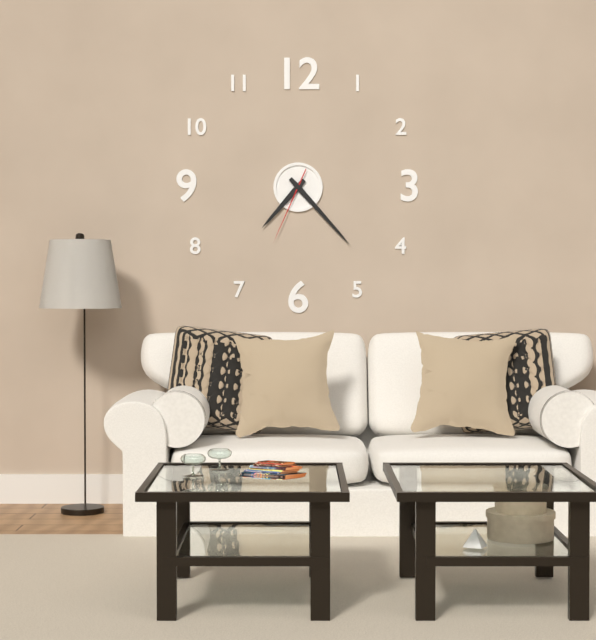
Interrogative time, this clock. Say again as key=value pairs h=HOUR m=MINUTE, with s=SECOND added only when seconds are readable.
h=7 m=23 s=34
